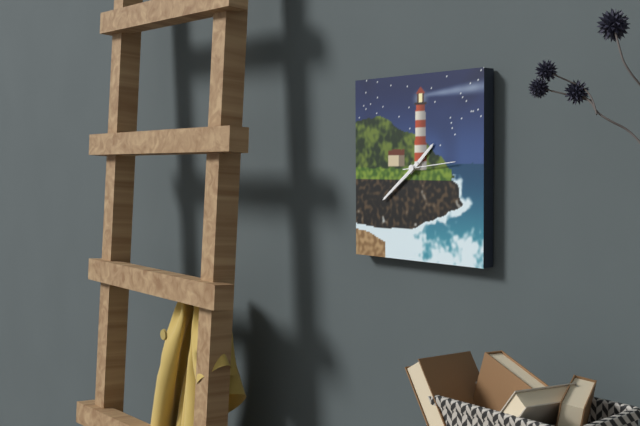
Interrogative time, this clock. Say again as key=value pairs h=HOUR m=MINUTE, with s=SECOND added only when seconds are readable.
h=1 m=39 s=14
